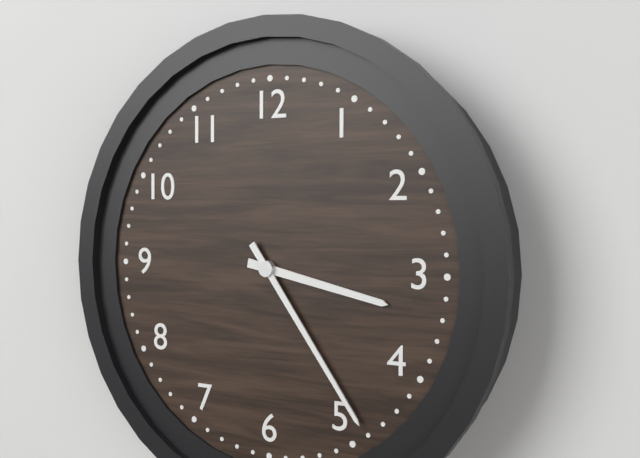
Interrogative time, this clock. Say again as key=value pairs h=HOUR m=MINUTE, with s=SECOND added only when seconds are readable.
h=3 m=24
